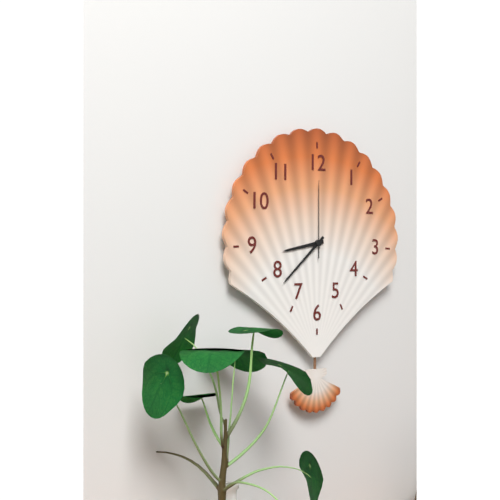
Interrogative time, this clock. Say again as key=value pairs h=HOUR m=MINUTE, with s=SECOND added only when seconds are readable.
h=8 m=38 s=0
